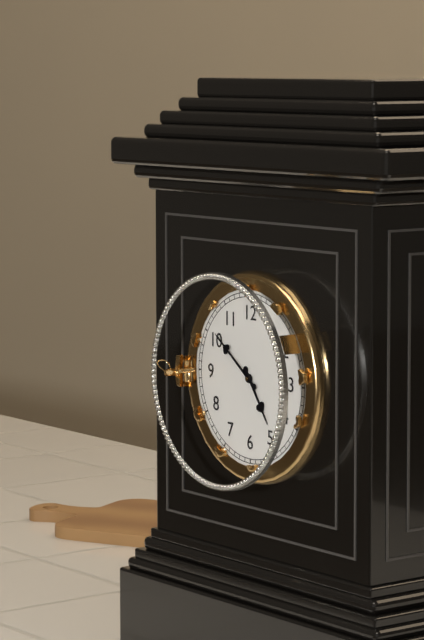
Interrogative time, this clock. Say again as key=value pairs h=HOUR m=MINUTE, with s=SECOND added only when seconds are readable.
h=4 m=51
